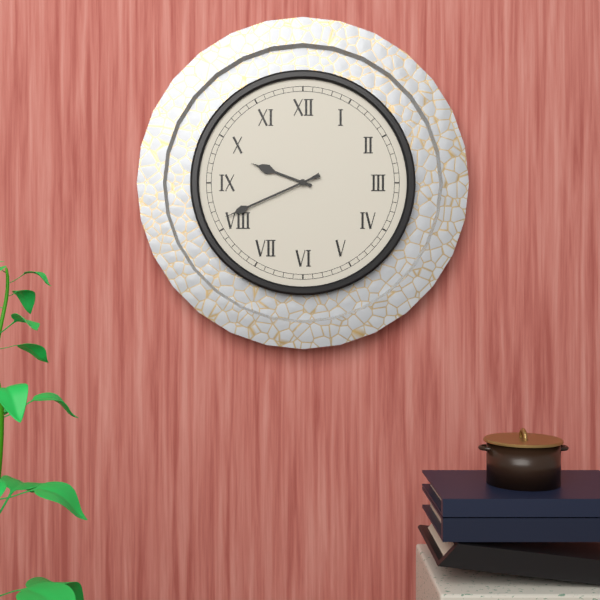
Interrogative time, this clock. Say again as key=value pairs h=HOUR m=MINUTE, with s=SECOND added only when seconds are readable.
h=9 m=41
